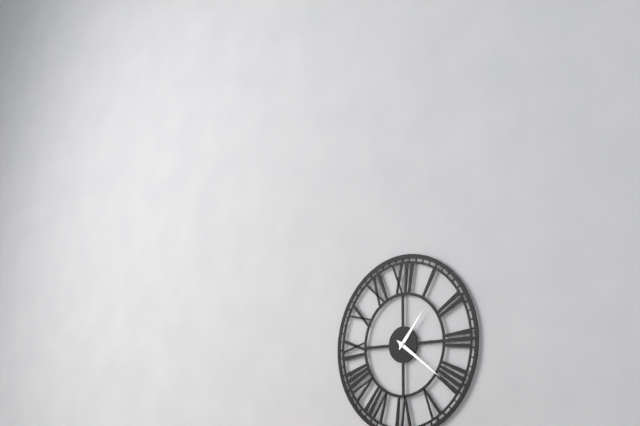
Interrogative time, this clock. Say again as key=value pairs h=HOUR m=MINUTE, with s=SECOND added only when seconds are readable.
h=1 m=21
